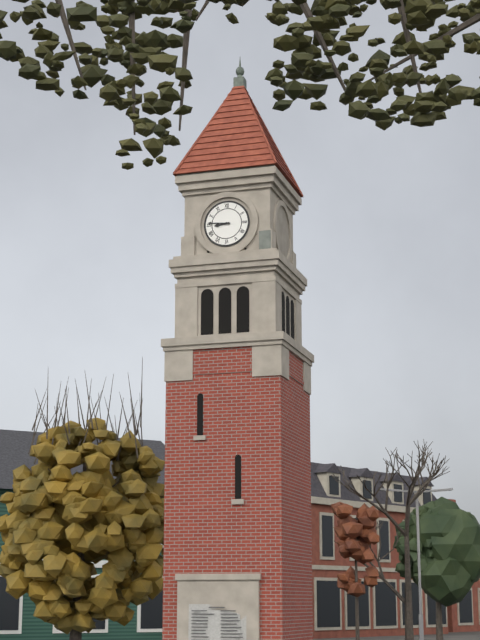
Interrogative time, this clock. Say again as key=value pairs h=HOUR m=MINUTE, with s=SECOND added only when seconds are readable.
h=8 m=46
